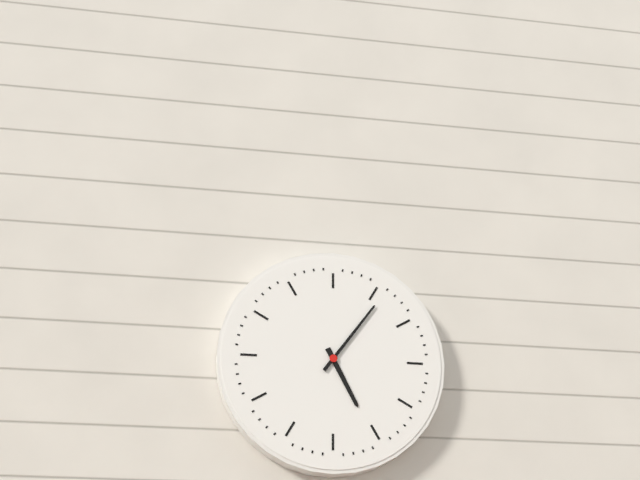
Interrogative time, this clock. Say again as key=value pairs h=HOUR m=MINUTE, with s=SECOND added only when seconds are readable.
h=5 m=6
